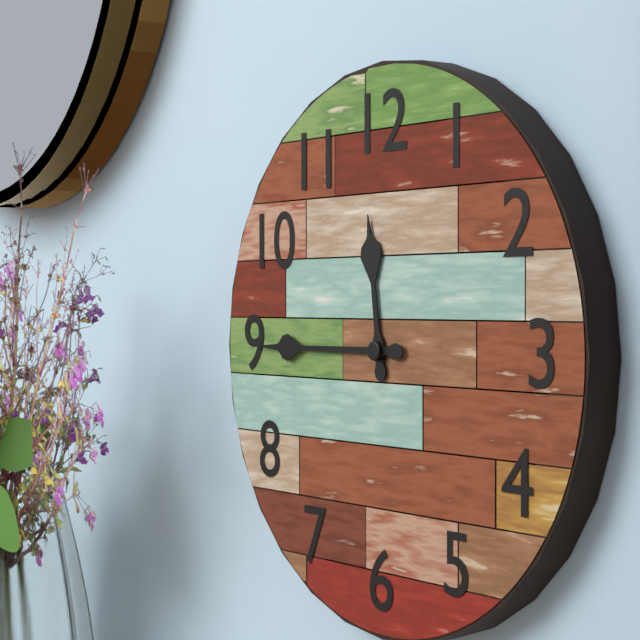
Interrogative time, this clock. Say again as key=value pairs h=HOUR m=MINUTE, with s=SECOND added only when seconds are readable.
h=11 m=45
